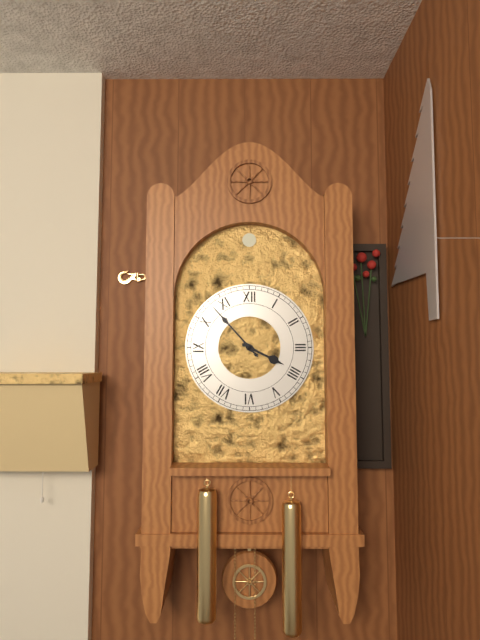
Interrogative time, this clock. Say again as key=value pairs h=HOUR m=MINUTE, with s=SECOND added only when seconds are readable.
h=3 m=53
